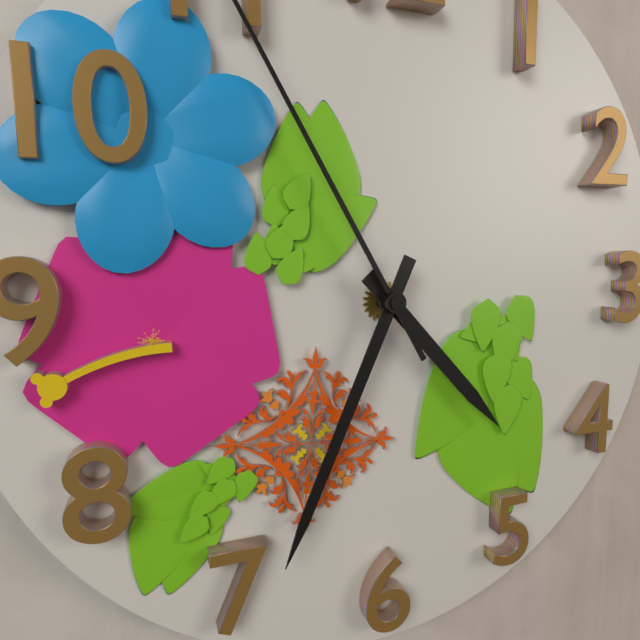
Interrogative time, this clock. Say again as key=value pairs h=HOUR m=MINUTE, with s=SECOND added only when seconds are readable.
h=4 m=34
